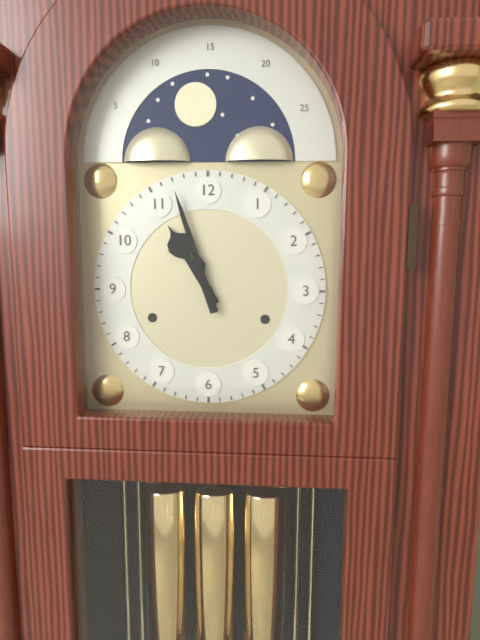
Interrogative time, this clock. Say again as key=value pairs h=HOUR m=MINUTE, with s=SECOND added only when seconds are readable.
h=10 m=57
